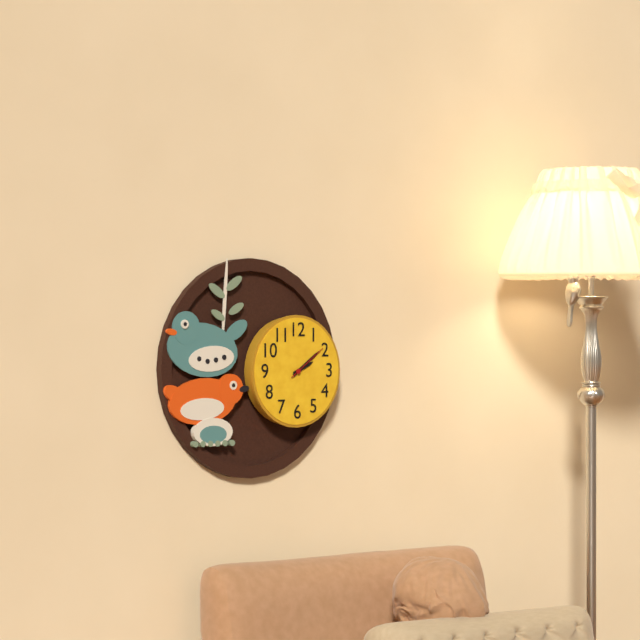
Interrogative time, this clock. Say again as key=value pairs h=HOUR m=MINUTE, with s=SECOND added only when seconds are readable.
h=2 m=9
